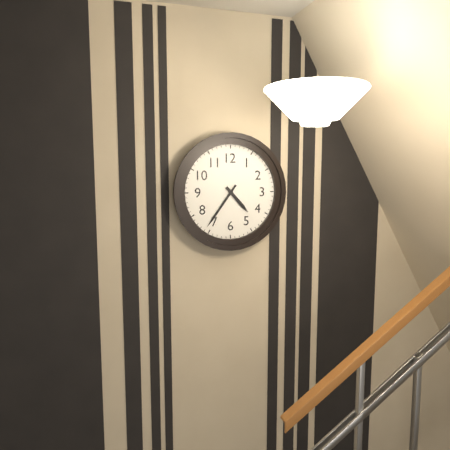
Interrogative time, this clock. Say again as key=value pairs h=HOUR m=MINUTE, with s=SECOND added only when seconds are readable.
h=4 m=36
